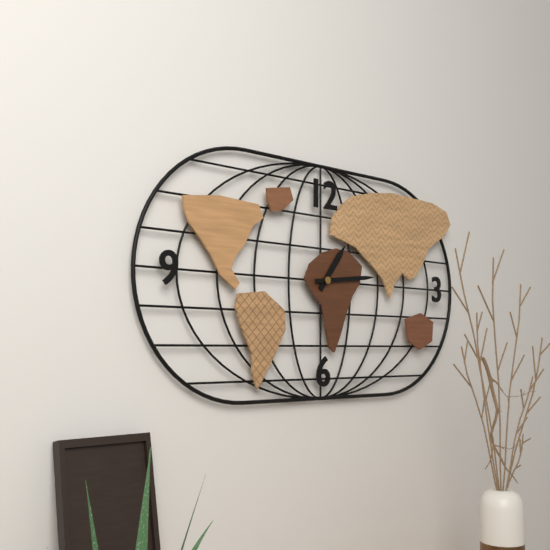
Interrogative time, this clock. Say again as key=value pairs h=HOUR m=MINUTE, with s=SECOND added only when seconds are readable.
h=1 m=14
